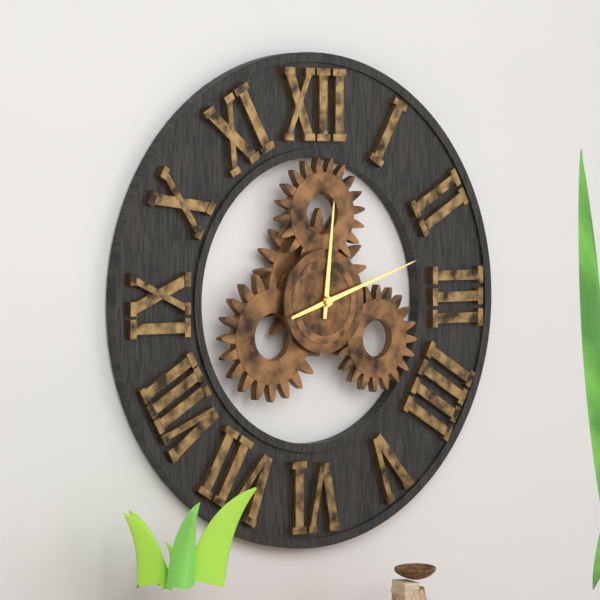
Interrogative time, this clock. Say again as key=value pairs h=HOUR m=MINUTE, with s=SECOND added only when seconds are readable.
h=12 m=12
